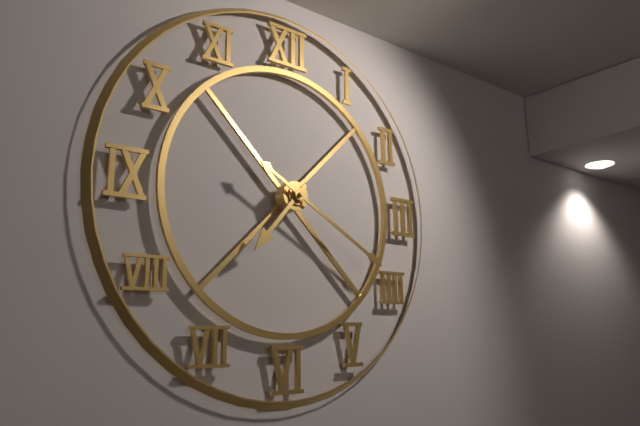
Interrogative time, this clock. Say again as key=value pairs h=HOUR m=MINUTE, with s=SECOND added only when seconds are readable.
h=7 m=20
